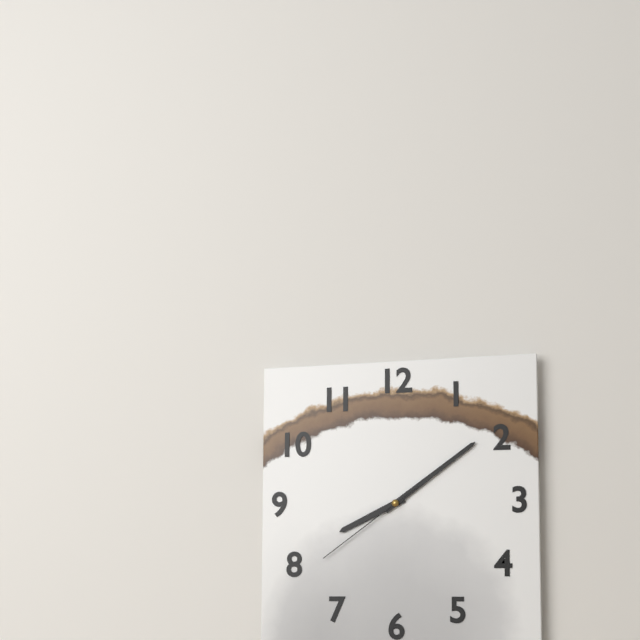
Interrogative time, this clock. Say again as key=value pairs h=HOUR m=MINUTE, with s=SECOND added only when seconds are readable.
h=8 m=9 s=39
